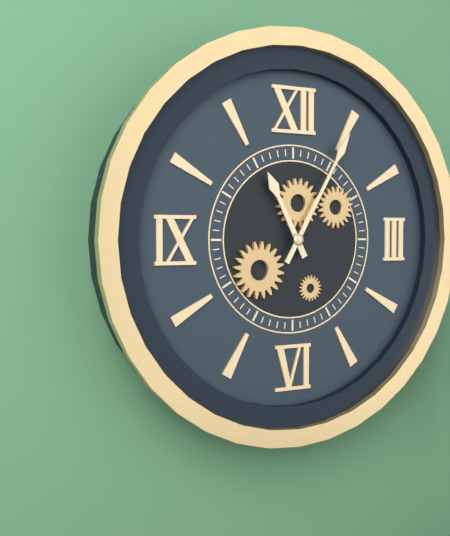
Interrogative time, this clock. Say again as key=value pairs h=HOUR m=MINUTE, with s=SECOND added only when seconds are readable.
h=11 m=5
